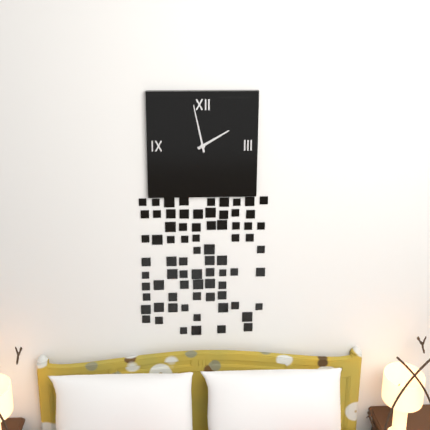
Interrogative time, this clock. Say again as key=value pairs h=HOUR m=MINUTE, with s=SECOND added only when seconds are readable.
h=1 m=58
